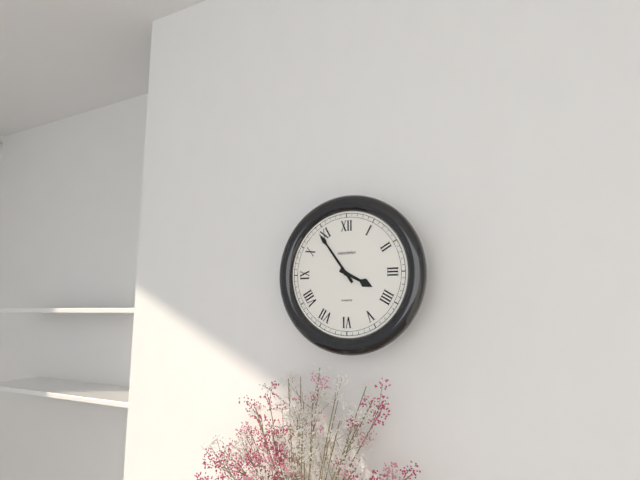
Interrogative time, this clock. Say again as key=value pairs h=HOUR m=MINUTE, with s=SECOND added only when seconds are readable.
h=3 m=54
